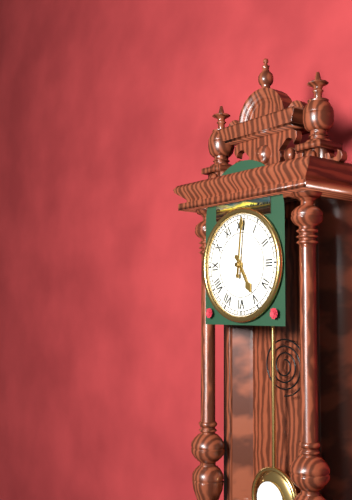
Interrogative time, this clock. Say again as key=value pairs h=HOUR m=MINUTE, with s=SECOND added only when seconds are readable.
h=5 m=1
